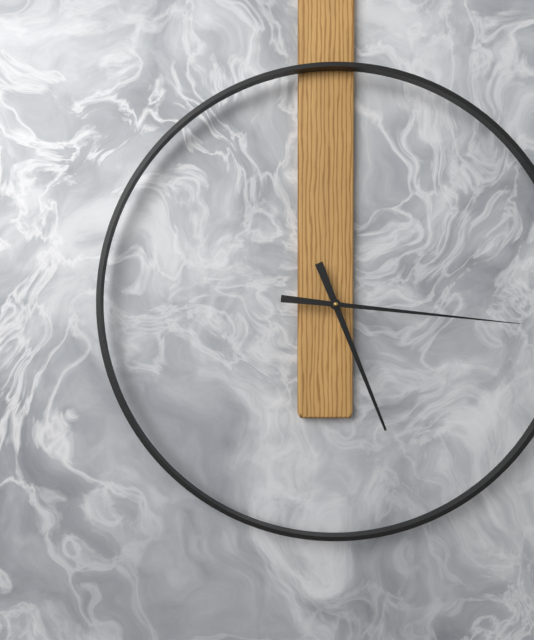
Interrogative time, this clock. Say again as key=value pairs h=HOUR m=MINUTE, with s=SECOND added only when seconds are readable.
h=5 m=16
